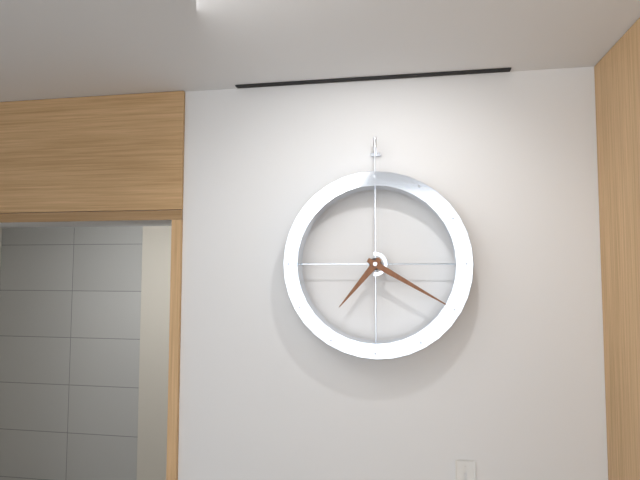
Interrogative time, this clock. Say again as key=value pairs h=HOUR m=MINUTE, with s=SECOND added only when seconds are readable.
h=7 m=20
